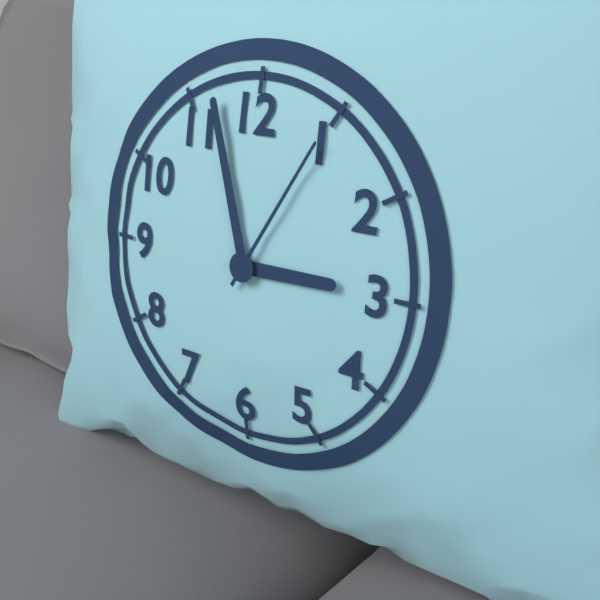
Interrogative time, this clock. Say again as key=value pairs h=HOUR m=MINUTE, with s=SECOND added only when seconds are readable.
h=2 m=57 s=5
